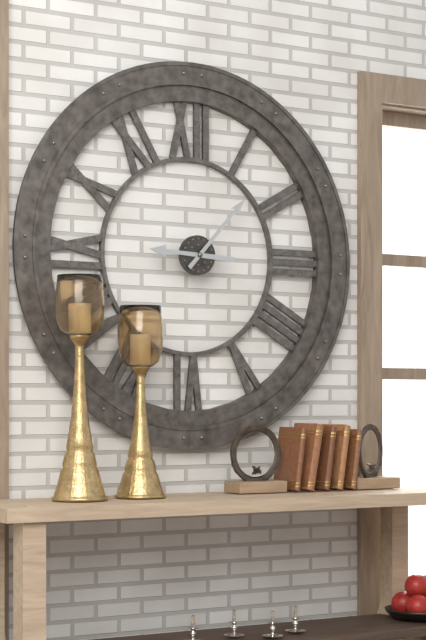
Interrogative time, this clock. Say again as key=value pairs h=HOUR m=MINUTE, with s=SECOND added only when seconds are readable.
h=9 m=7
